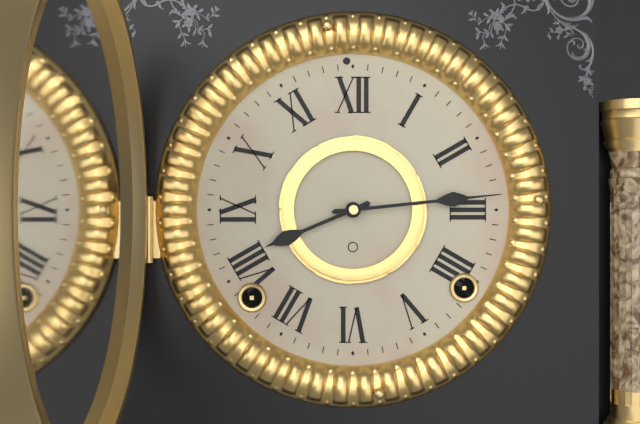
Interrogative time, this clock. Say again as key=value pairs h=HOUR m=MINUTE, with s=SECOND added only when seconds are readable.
h=8 m=14
